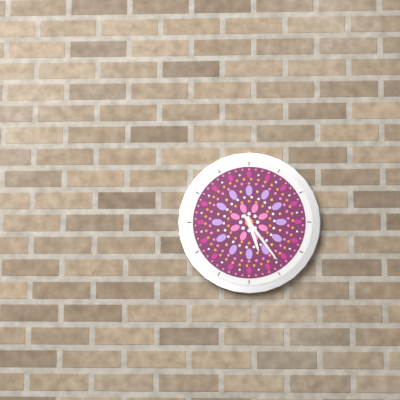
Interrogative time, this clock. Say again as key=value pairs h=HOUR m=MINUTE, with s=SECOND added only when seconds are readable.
h=5 m=24
